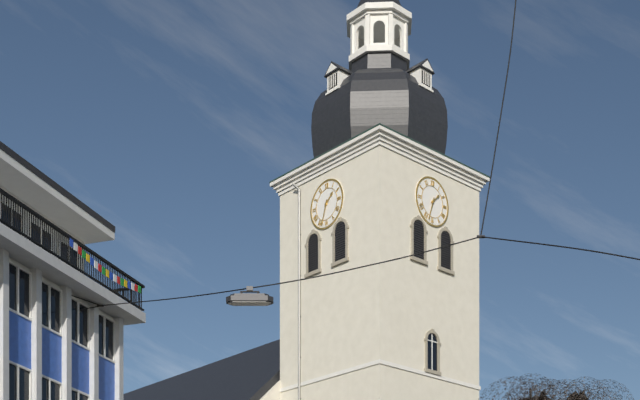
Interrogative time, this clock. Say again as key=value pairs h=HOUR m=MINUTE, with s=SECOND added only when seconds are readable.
h=1 m=33
